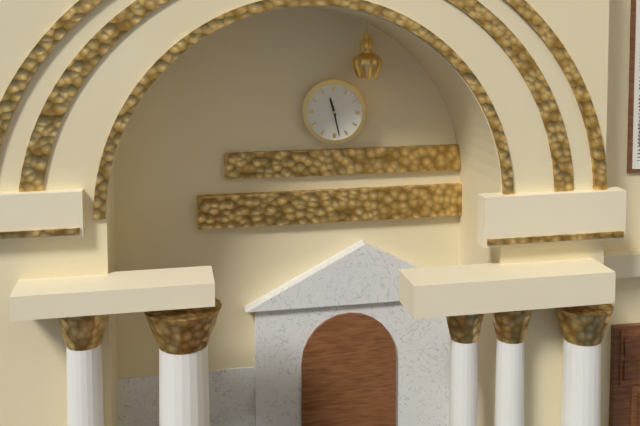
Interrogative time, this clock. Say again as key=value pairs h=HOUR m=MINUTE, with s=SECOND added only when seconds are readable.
h=11 m=28
